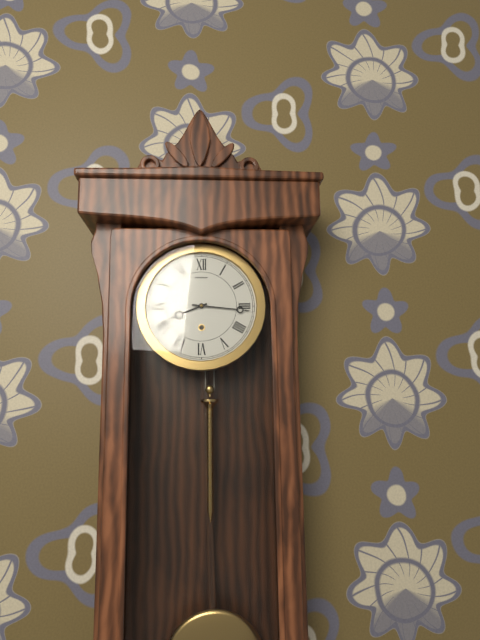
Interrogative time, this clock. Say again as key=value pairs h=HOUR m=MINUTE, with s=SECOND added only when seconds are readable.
h=8 m=16
